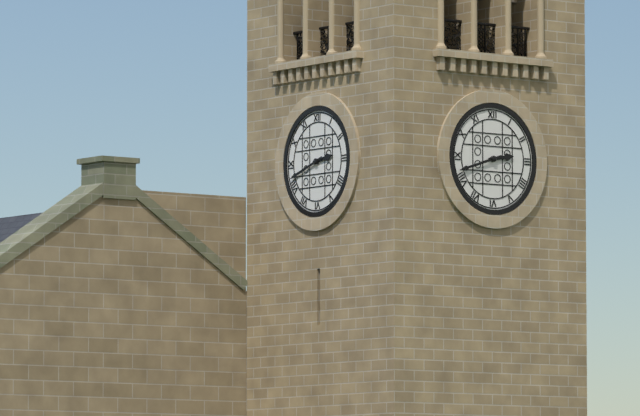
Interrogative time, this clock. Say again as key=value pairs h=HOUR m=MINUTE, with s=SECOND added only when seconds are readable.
h=2 m=42
